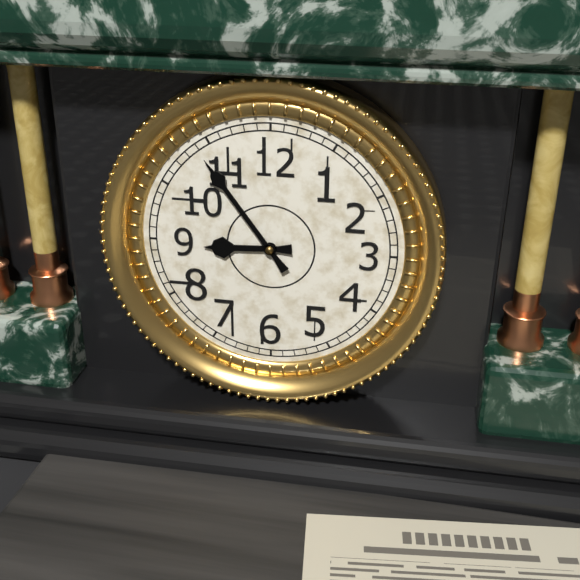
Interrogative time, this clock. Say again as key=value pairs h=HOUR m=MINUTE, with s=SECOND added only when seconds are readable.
h=8 m=54
